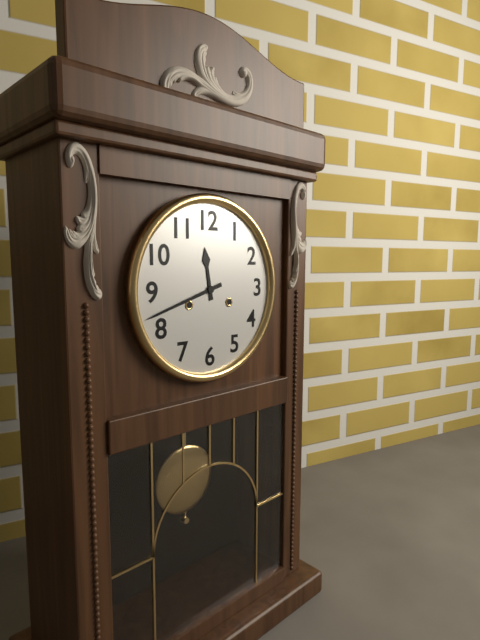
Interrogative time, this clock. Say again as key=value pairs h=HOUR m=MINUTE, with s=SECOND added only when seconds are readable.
h=11 m=42
